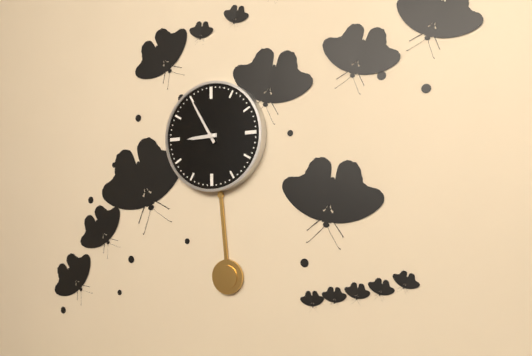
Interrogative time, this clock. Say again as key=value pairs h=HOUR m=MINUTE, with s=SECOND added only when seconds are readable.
h=8 m=55
